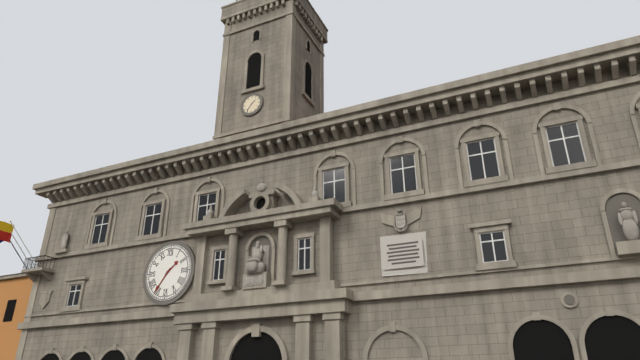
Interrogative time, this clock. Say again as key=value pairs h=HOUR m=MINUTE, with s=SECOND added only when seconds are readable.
h=1 m=36
